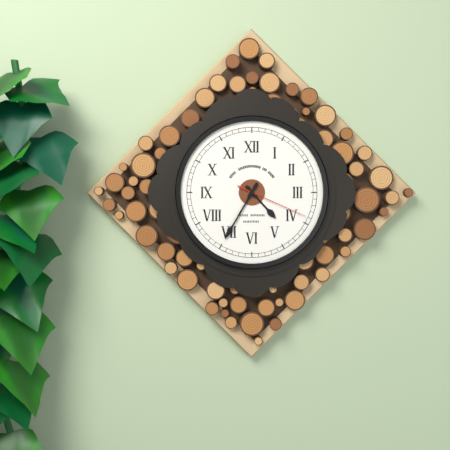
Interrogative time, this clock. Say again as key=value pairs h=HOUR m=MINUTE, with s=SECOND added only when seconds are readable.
h=4 m=35 s=19
